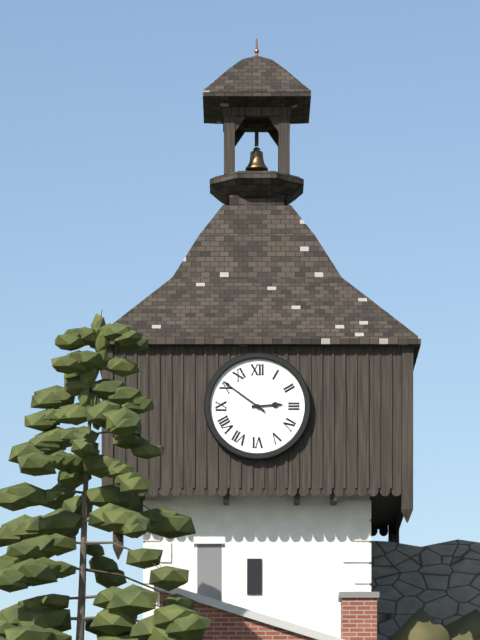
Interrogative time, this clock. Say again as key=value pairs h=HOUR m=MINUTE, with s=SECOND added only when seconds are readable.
h=2 m=51
